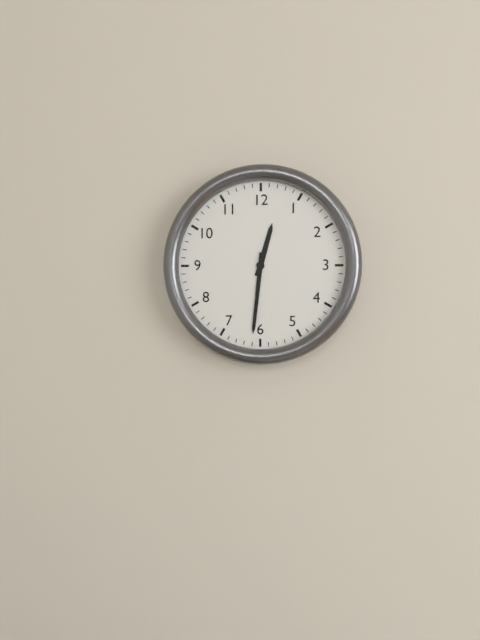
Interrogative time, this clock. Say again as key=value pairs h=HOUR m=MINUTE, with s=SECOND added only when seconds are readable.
h=12 m=31
